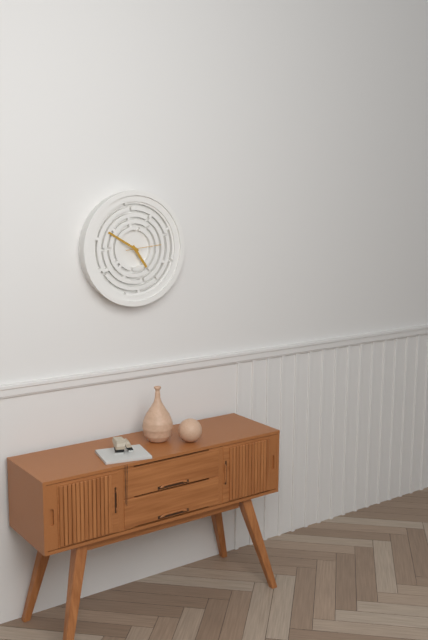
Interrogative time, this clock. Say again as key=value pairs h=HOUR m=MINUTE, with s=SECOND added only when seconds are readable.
h=4 m=50
